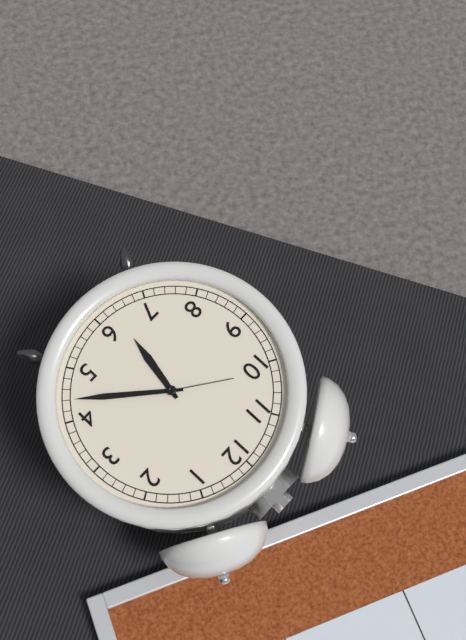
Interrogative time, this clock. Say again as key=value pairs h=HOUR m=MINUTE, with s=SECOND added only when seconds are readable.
h=6 m=22 s=51
